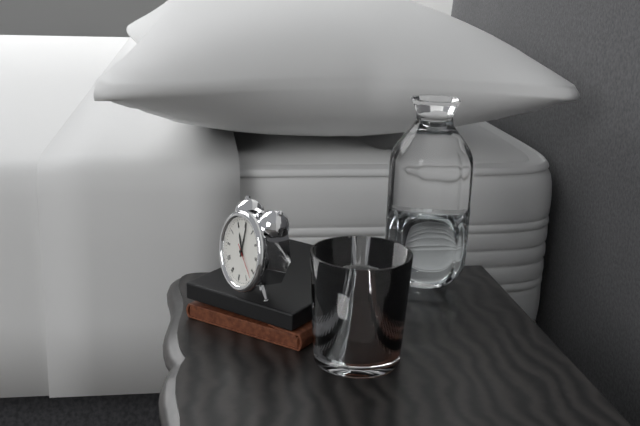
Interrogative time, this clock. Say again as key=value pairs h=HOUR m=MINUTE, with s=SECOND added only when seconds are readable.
h=11 m=1
